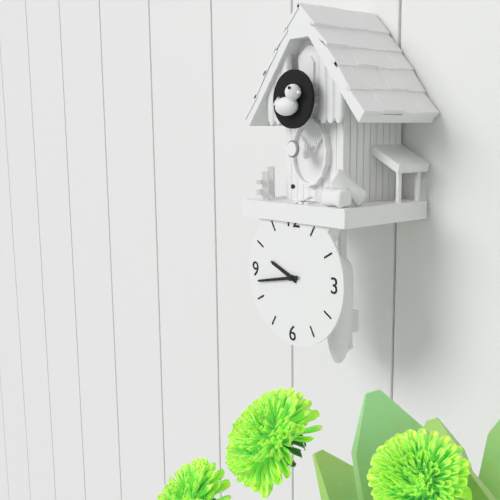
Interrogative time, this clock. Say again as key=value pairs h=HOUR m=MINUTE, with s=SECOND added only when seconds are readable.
h=9 m=43
